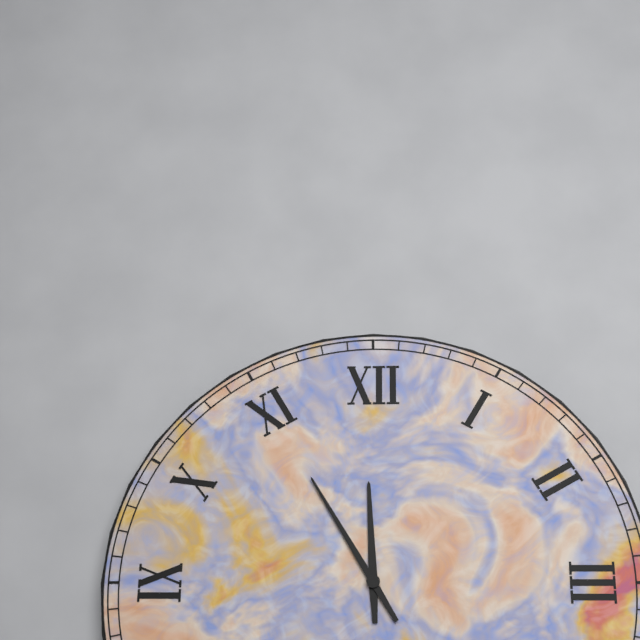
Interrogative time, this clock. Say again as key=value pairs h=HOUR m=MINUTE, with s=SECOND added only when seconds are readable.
h=11 m=55
